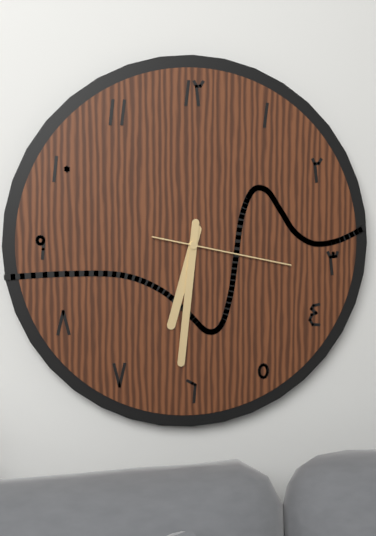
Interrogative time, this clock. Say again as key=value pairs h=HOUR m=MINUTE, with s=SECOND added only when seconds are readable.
h=6 m=31 s=17
